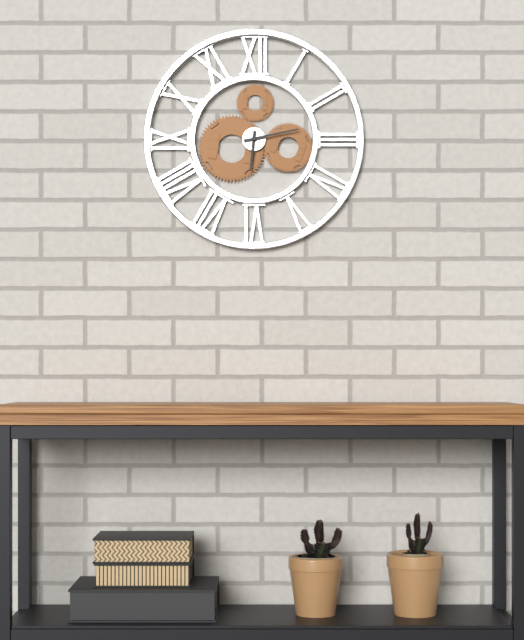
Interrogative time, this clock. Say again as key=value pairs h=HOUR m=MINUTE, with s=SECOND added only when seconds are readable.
h=6 m=13
